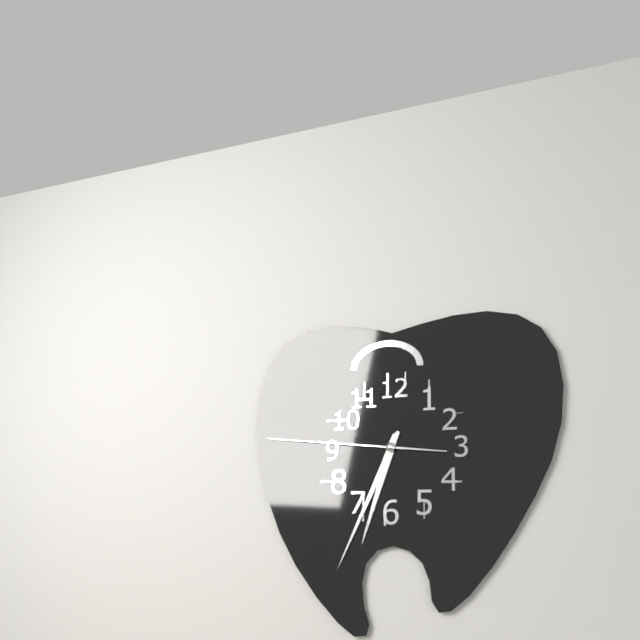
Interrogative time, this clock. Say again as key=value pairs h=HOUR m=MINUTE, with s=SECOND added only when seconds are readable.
h=6 m=34 s=46
